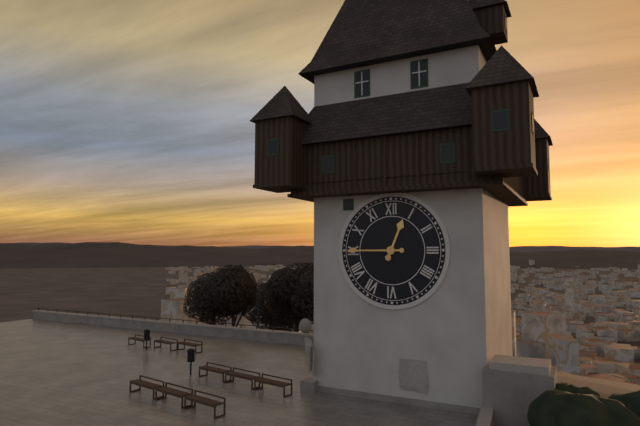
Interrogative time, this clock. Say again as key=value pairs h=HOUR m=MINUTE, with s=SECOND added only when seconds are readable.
h=12 m=45
